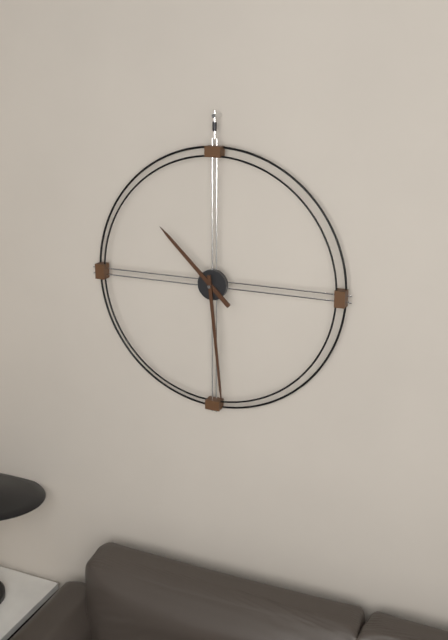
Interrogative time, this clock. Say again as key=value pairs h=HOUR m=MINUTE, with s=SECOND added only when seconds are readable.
h=10 m=29
